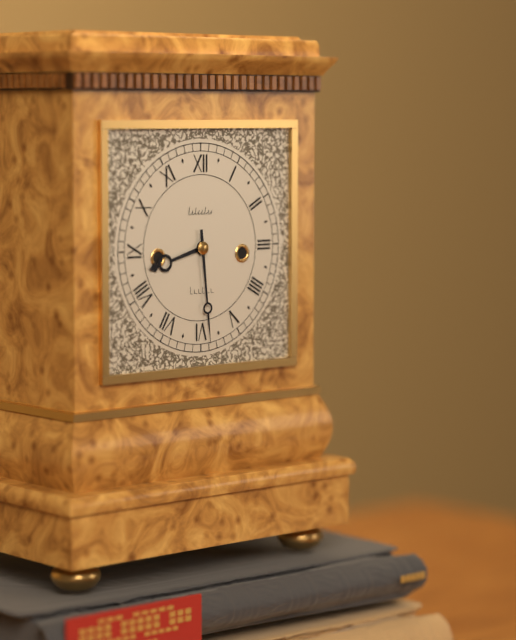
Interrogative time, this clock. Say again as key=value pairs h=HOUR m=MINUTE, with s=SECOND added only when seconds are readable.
h=8 m=29
